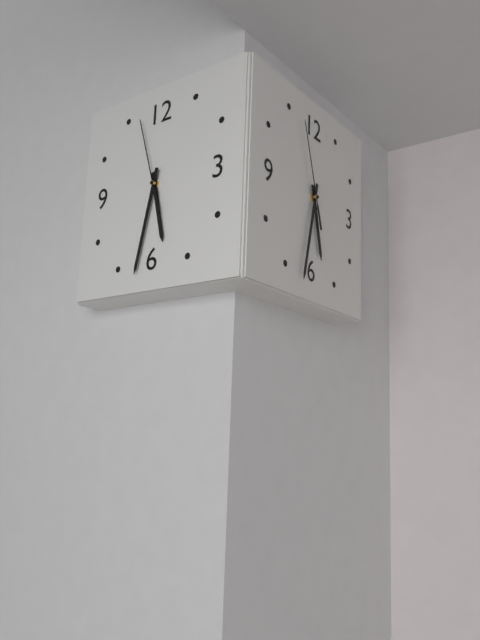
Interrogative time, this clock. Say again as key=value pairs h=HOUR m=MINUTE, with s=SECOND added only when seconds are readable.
h=5 m=32 s=57
